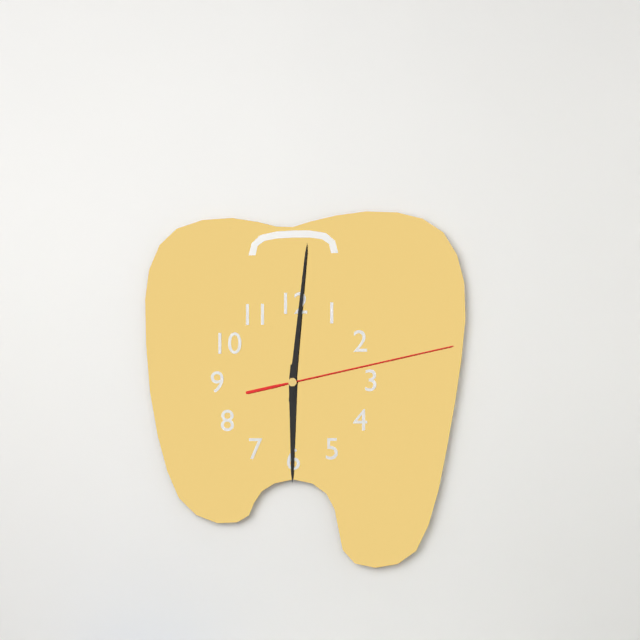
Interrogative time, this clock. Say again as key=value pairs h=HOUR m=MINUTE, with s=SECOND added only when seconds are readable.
h=6 m=1 s=13
